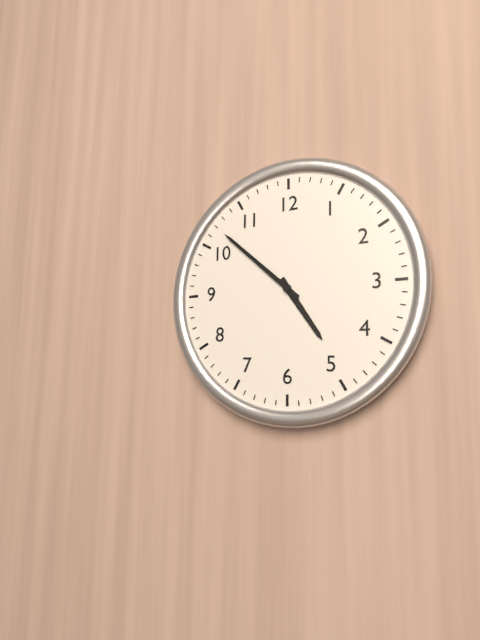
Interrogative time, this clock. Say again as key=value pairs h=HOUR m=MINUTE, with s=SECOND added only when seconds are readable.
h=4 m=52
